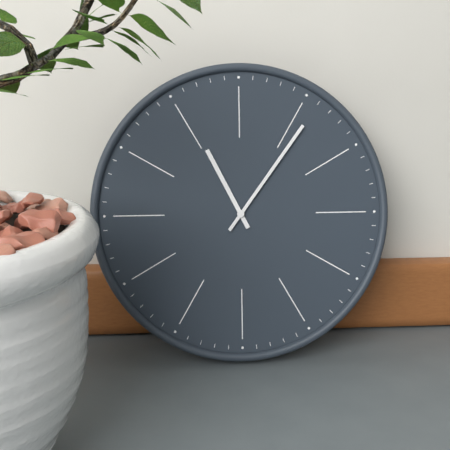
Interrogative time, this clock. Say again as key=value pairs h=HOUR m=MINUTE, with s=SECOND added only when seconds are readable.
h=11 m=6
